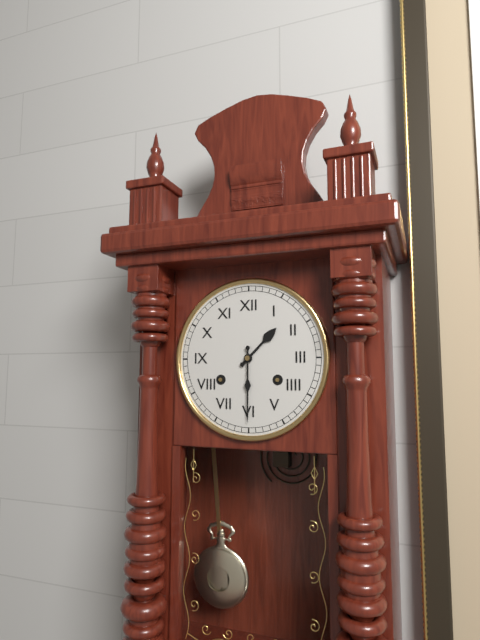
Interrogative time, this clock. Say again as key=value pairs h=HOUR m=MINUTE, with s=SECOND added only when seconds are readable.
h=1 m=30
